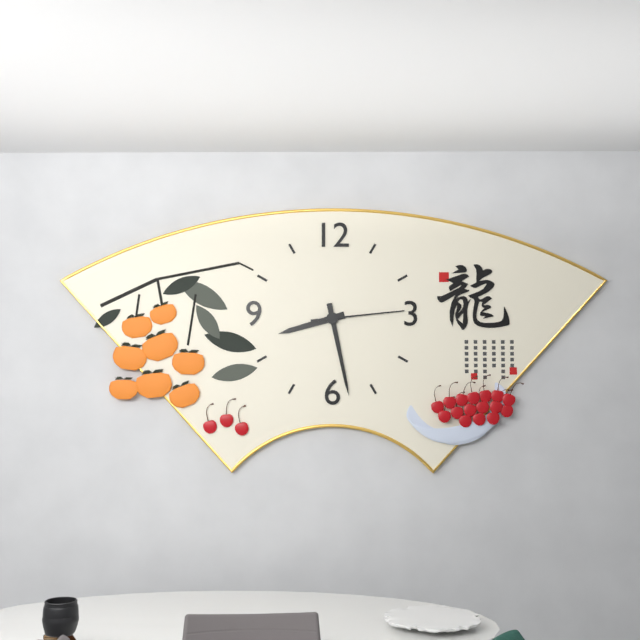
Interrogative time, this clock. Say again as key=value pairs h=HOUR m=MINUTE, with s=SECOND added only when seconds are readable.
h=8 m=28 s=14
